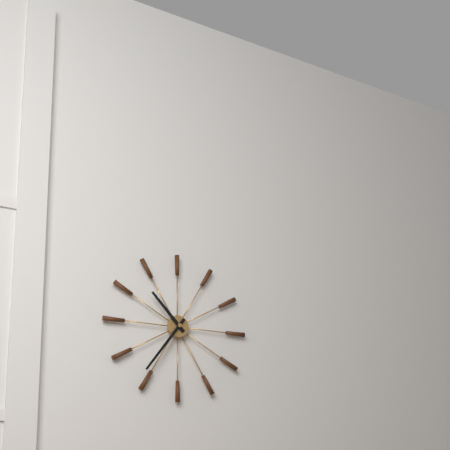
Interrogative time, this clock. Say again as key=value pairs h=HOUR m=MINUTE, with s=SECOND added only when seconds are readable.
h=10 m=36
